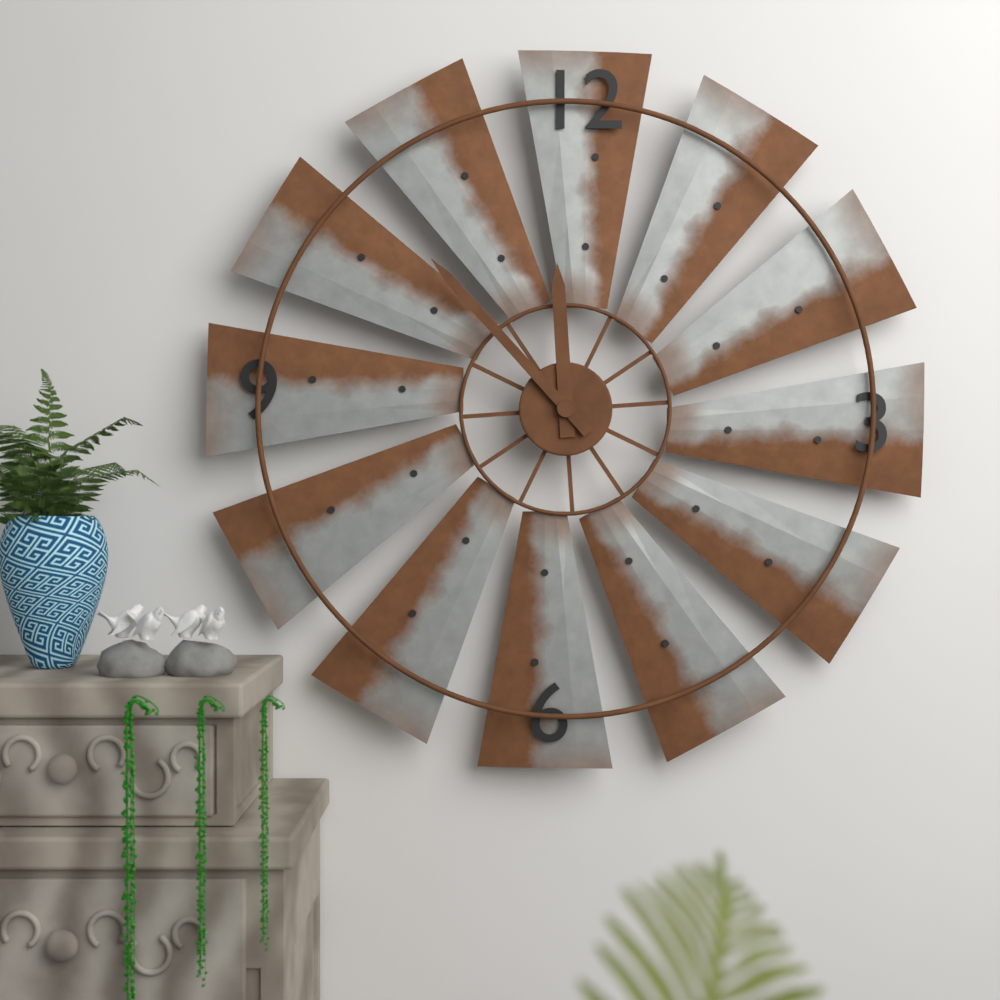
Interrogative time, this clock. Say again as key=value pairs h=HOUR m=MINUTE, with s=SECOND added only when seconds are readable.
h=11 m=53
